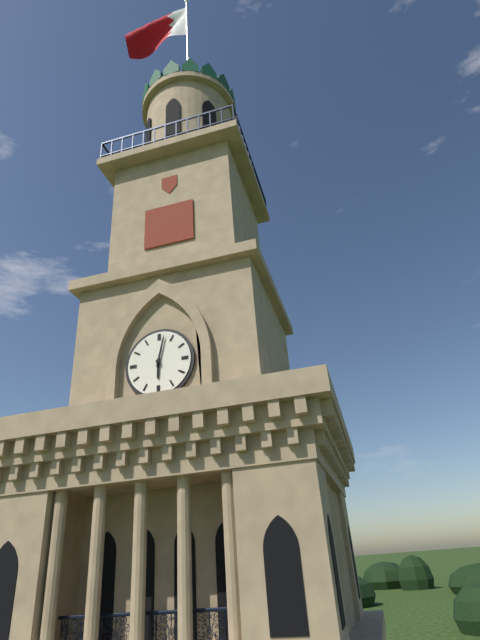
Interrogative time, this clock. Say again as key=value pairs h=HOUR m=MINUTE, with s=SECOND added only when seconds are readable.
h=6 m=2
